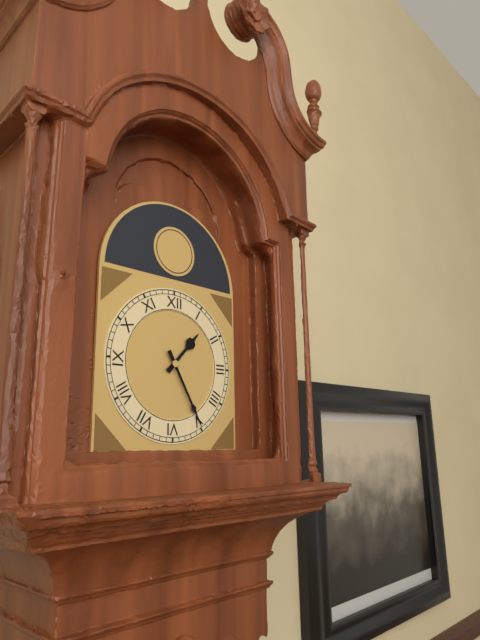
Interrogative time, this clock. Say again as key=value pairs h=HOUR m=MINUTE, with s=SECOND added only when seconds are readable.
h=1 m=25
